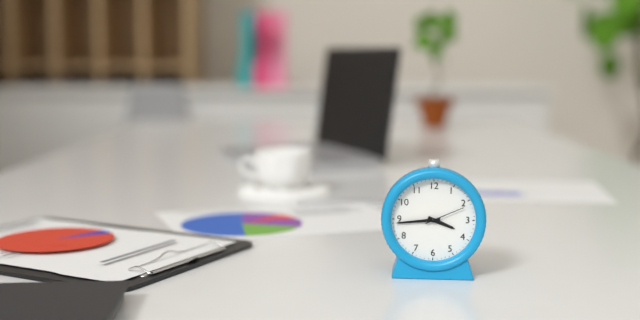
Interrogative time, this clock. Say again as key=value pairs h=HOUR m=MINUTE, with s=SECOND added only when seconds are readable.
h=3 m=44
